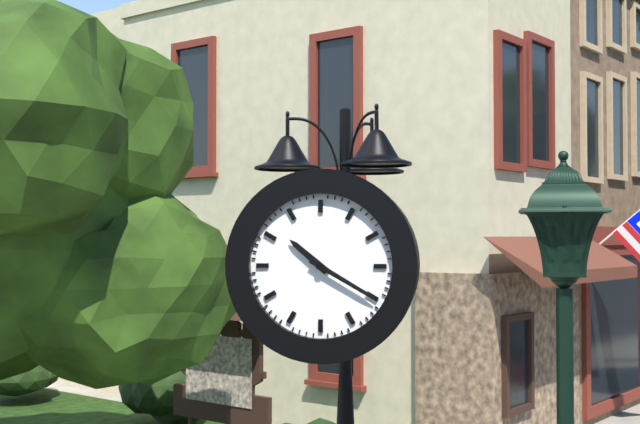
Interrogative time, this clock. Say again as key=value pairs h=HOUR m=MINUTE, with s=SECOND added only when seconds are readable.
h=10 m=20
